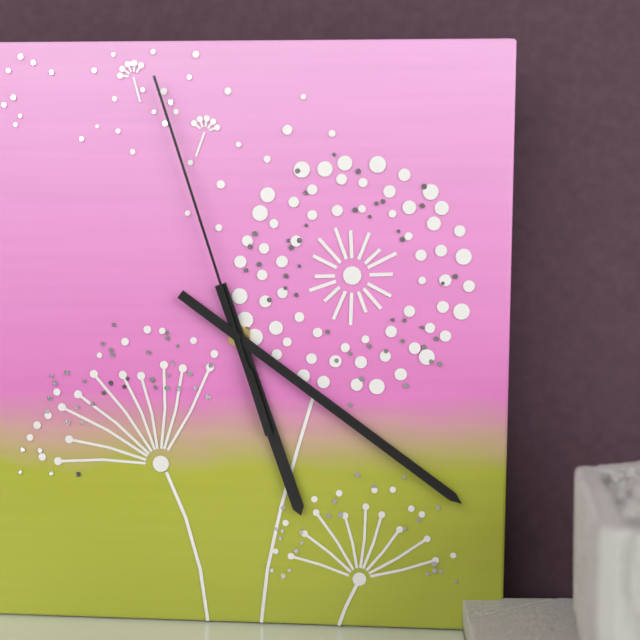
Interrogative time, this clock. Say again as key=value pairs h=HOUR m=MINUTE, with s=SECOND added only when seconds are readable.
h=5 m=21 s=57
